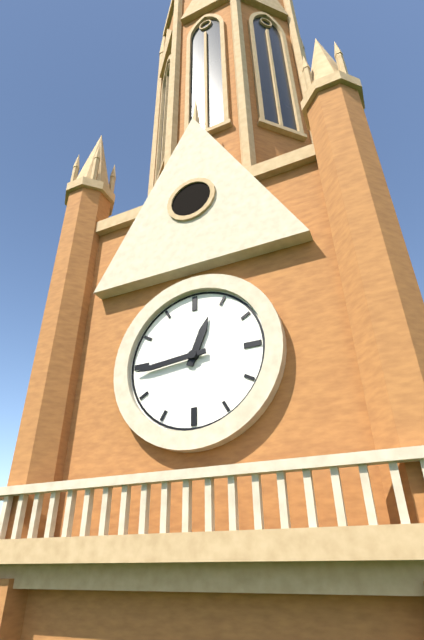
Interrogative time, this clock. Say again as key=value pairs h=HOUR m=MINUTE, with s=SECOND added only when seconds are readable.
h=12 m=44
